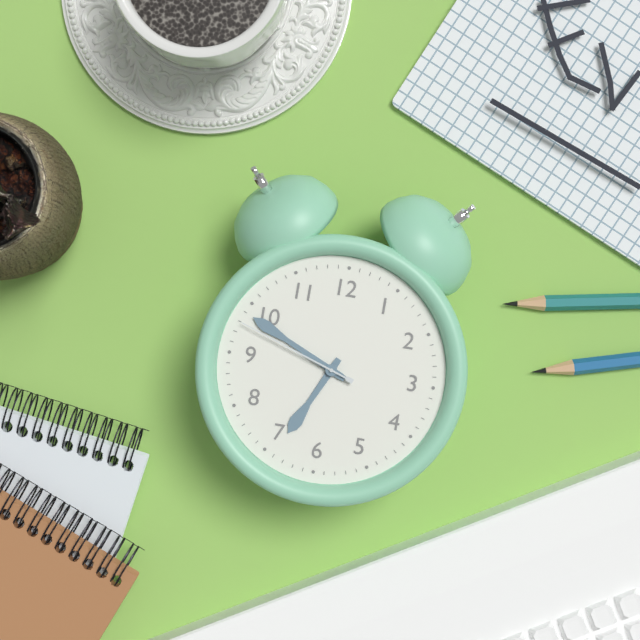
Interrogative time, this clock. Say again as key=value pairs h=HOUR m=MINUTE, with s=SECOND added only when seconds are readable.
h=6 m=49 s=48
